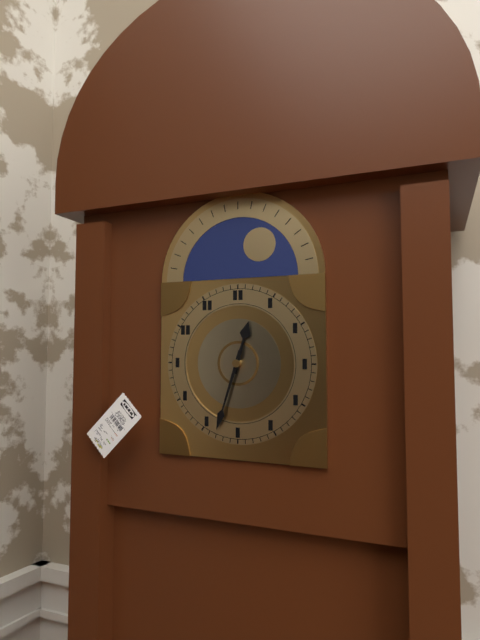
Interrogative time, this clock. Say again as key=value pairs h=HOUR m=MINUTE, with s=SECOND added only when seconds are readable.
h=12 m=33
